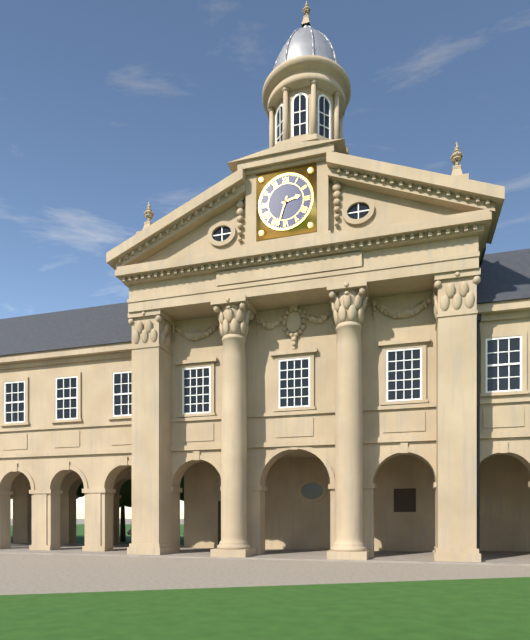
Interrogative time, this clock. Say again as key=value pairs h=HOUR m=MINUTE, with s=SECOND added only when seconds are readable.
h=2 m=33
